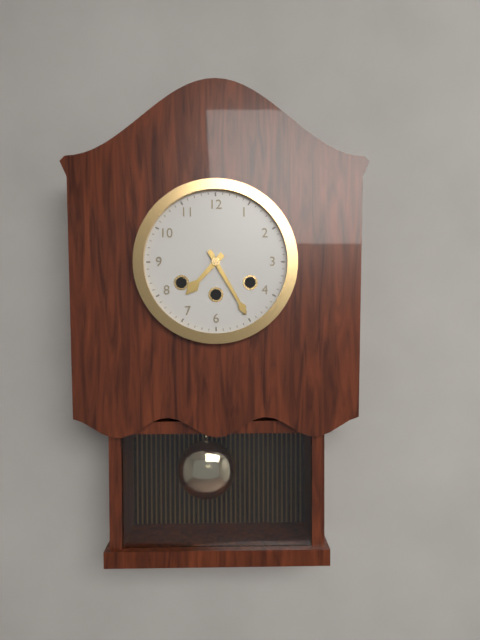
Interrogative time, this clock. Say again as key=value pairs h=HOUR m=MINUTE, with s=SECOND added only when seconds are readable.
h=7 m=25
